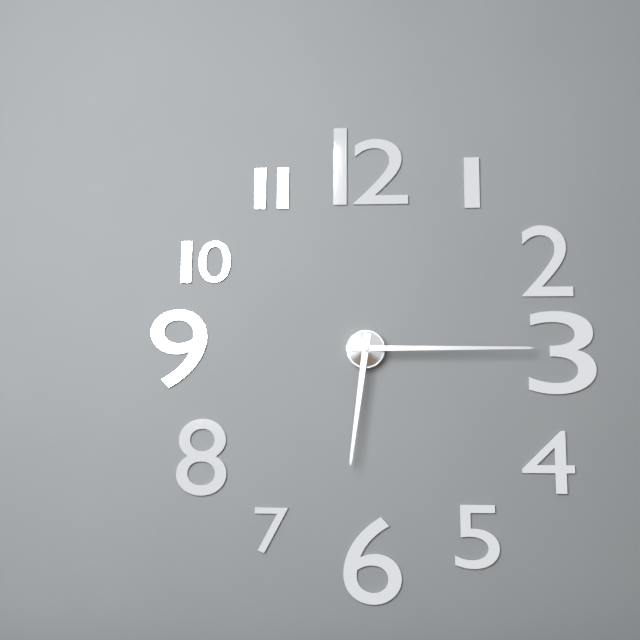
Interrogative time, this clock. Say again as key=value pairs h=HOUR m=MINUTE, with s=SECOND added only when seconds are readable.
h=6 m=15
